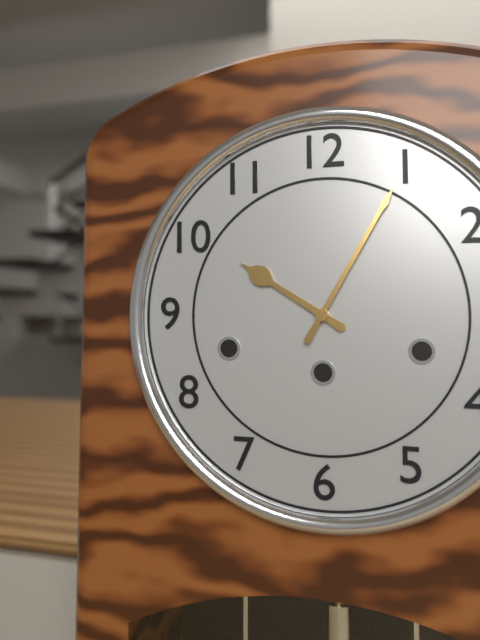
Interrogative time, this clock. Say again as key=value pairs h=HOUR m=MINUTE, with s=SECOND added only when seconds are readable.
h=10 m=5
